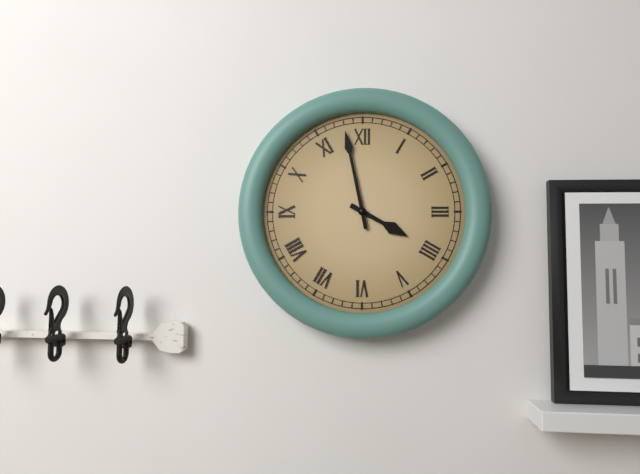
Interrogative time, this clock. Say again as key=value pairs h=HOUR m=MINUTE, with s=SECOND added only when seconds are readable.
h=3 m=58
